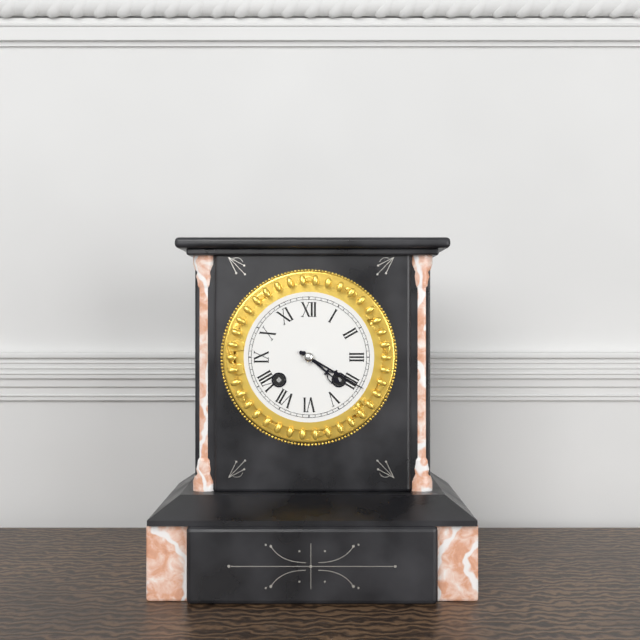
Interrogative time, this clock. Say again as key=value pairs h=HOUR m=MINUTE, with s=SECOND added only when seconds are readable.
h=4 m=20
